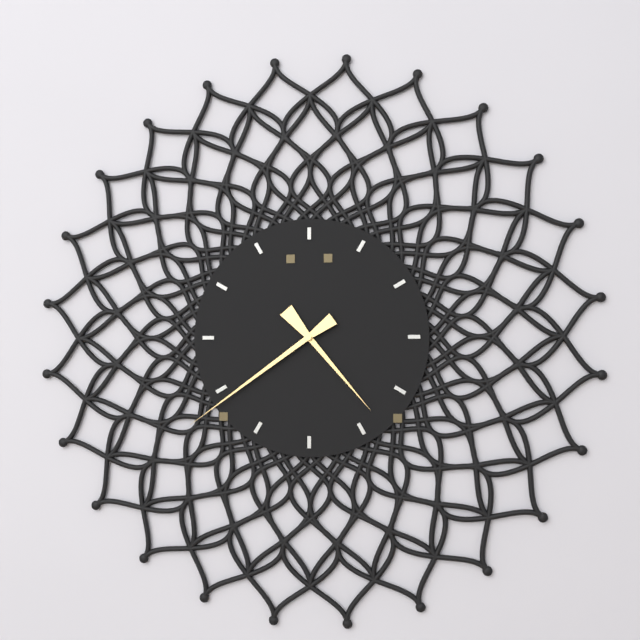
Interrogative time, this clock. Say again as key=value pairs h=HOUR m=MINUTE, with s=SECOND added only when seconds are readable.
h=4 m=39
